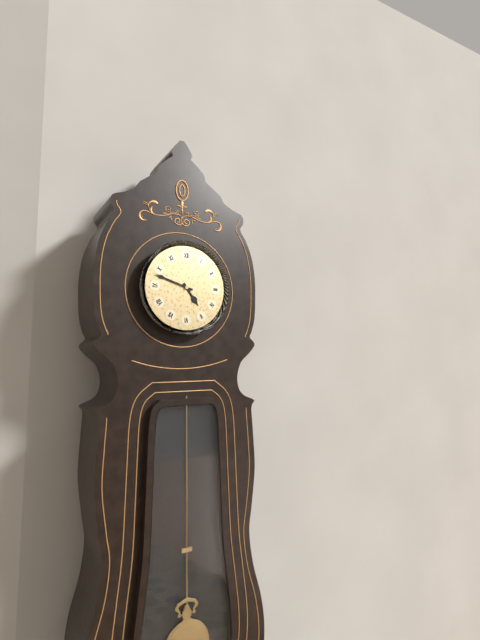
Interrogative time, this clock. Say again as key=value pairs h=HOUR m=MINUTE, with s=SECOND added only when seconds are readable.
h=4 m=48
